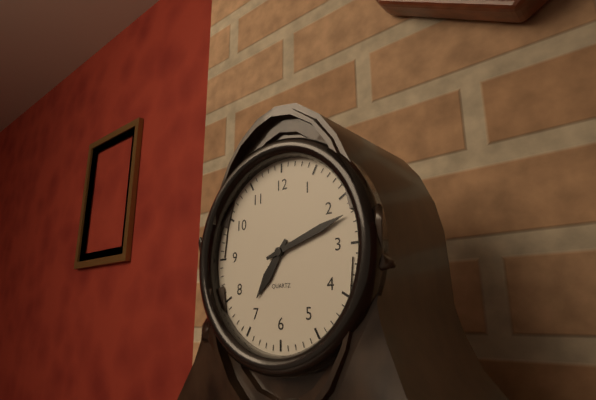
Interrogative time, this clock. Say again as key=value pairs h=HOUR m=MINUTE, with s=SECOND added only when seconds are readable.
h=7 m=12
